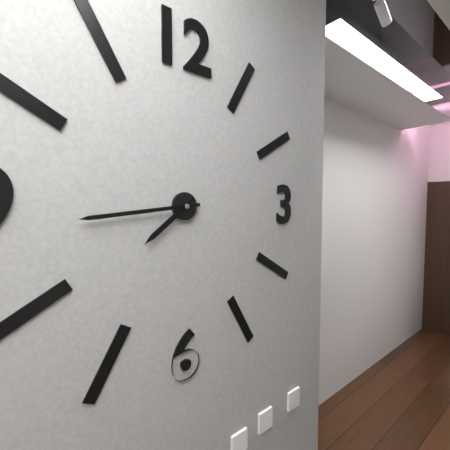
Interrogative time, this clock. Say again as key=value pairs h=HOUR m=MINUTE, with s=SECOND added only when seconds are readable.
h=7 m=44
